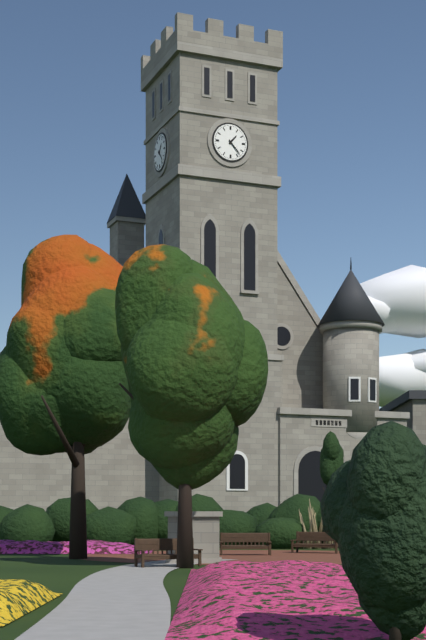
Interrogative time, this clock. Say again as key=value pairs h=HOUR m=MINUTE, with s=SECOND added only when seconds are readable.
h=1 m=23
